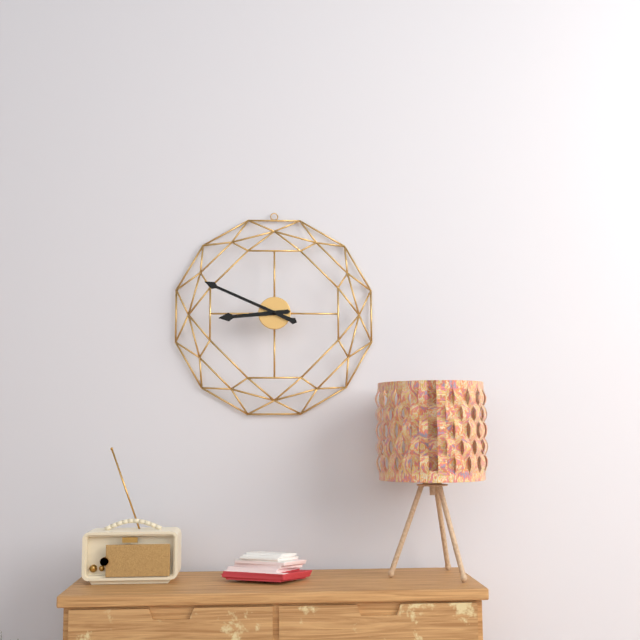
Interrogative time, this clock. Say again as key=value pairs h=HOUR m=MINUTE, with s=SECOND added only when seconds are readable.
h=8 m=49
